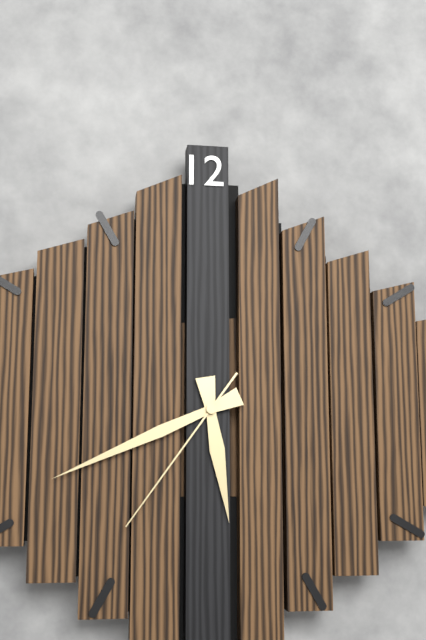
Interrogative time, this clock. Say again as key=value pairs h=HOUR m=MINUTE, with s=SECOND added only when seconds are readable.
h=5 m=41 s=36
